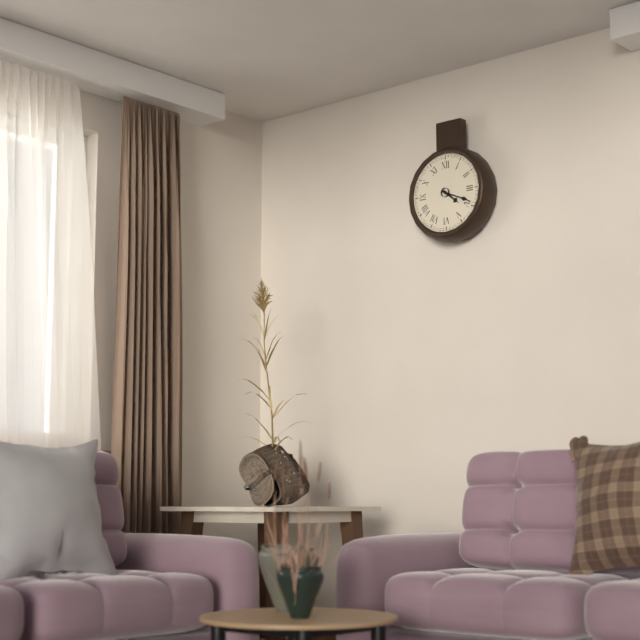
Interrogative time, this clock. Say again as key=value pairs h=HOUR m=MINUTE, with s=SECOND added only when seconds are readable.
h=4 m=19
